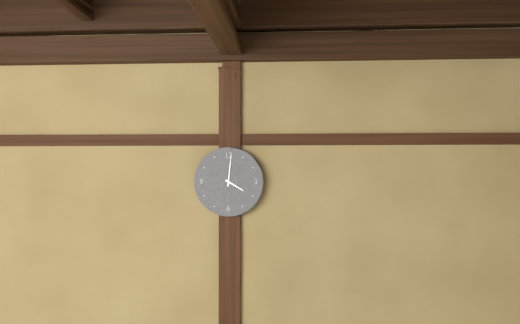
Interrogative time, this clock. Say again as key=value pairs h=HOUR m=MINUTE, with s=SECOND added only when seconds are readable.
h=4 m=1
